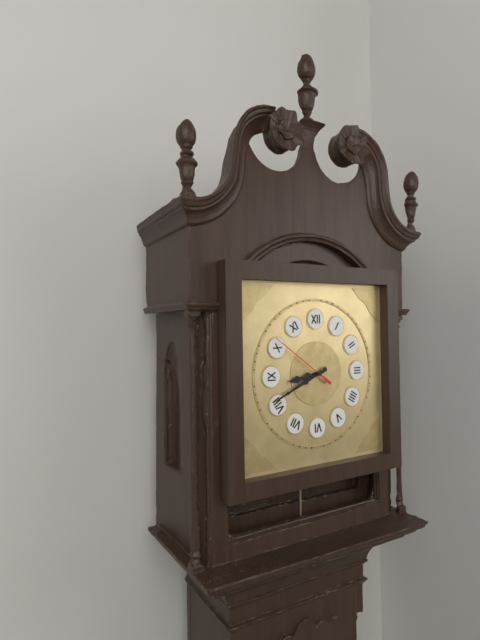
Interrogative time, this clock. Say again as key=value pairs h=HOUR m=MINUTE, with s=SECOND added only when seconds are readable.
h=8 m=41 s=51
